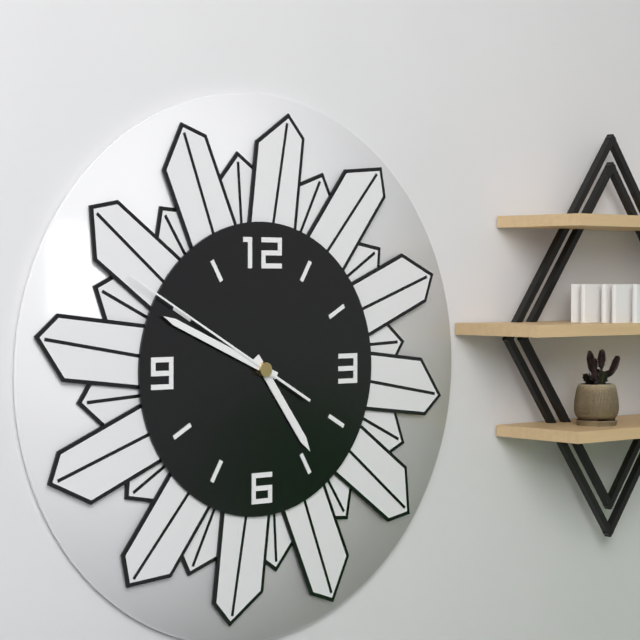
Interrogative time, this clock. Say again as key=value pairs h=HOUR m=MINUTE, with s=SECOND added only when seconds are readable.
h=4 m=49 s=50
